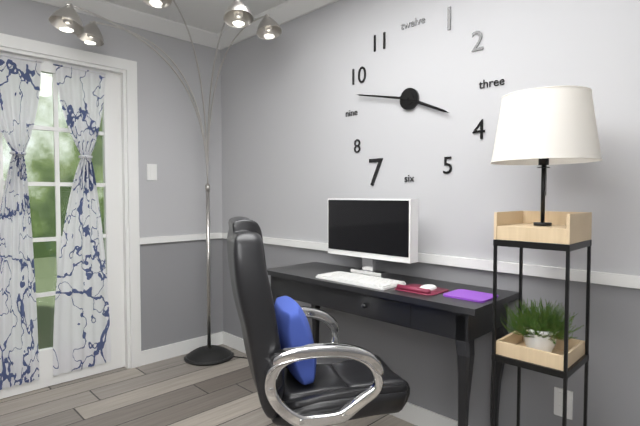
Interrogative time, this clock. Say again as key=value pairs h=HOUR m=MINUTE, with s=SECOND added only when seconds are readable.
h=3 m=47
